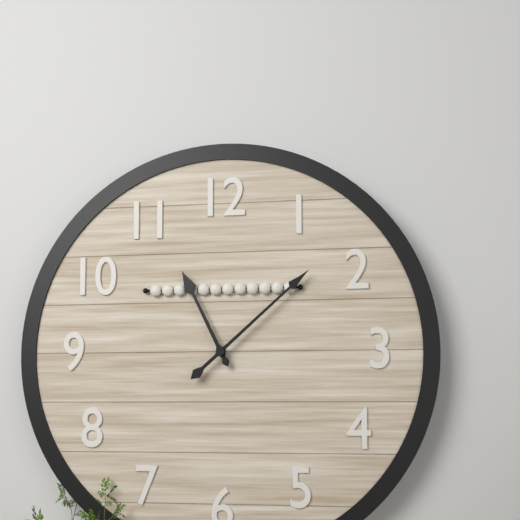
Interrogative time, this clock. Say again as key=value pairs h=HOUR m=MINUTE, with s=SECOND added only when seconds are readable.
h=11 m=8
